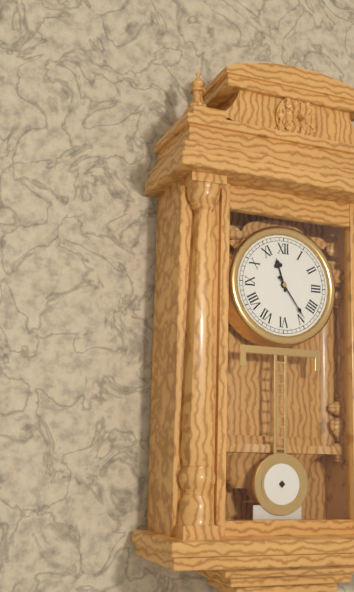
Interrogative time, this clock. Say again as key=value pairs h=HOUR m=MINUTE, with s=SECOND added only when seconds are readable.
h=11 m=24
